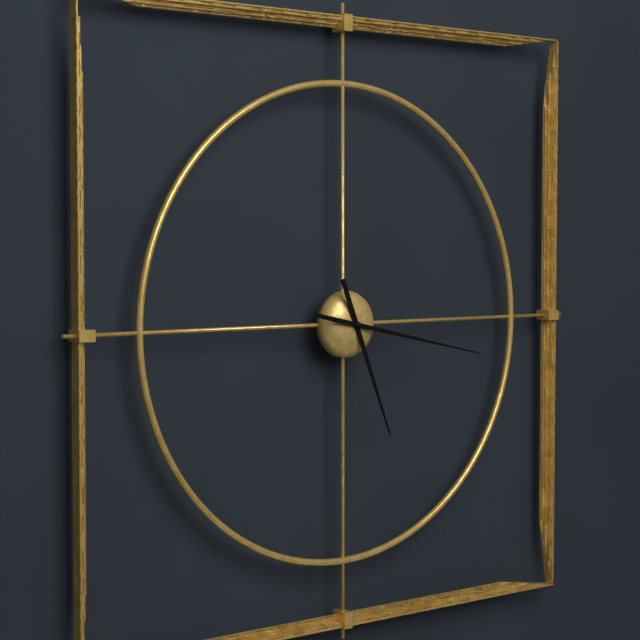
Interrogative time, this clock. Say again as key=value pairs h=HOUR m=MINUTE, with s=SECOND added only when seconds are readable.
h=5 m=17
